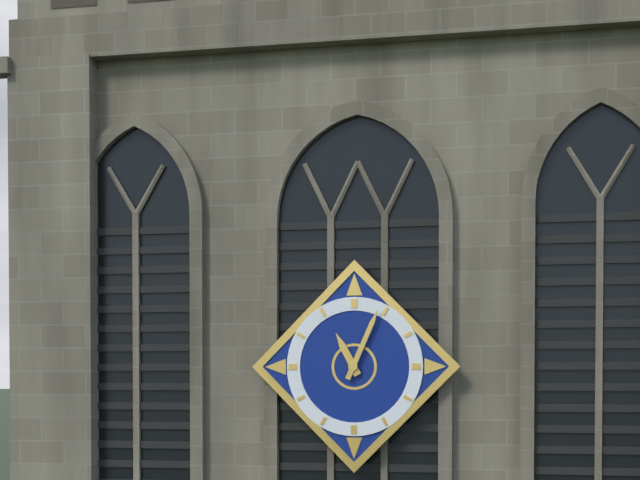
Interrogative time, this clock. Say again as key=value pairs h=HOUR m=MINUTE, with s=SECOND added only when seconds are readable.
h=11 m=4
